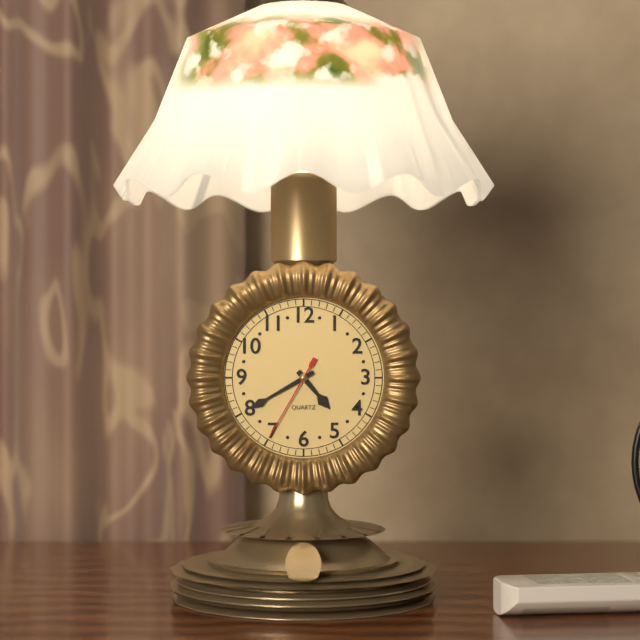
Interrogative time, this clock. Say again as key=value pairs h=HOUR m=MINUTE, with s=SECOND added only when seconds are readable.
h=4 m=40 s=35
